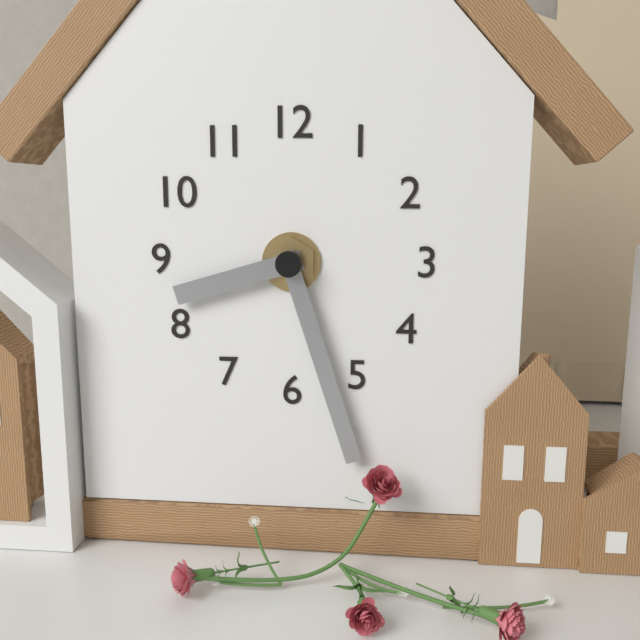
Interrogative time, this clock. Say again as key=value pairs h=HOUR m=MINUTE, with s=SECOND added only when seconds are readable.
h=8 m=27
